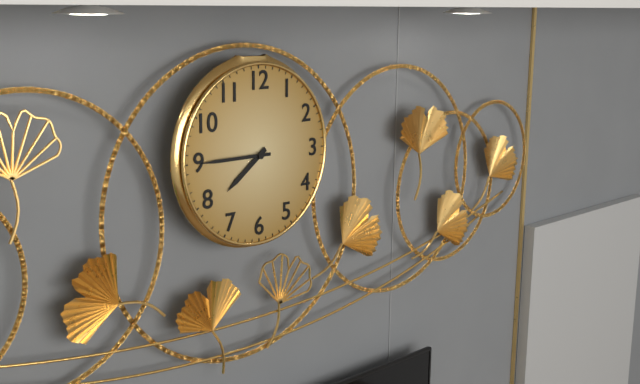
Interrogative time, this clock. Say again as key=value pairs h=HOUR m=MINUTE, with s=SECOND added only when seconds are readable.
h=7 m=45
